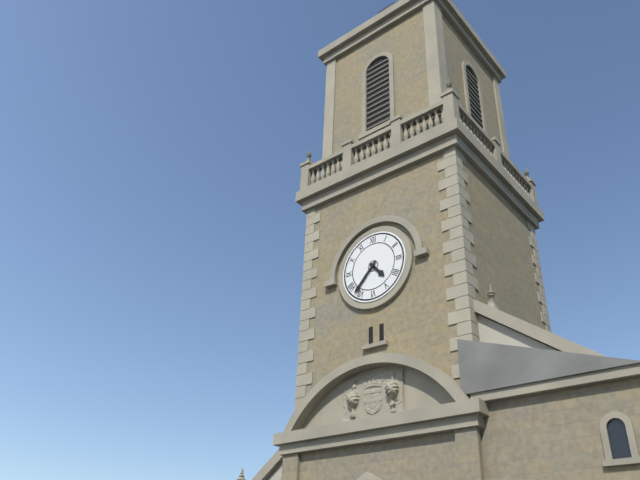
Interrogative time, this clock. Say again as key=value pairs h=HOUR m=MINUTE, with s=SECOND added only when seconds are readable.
h=4 m=37
